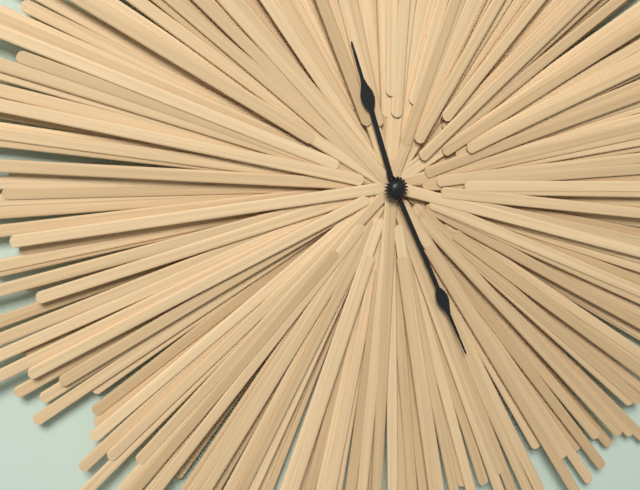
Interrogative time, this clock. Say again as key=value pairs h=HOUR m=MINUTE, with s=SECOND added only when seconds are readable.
h=11 m=26
